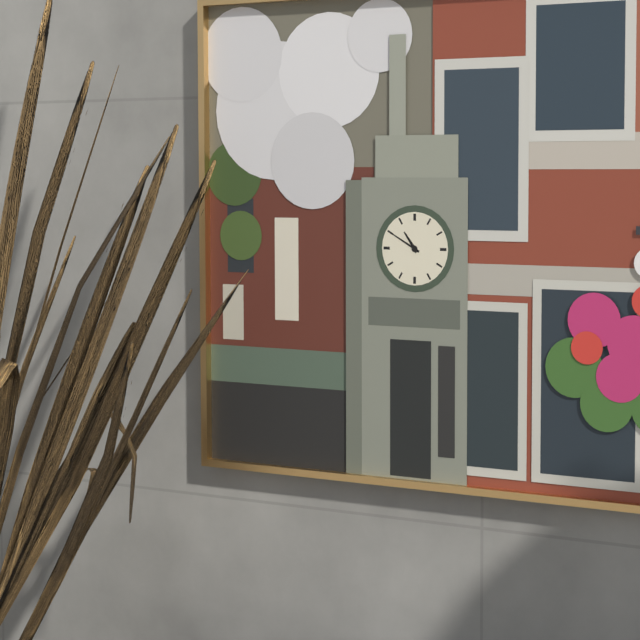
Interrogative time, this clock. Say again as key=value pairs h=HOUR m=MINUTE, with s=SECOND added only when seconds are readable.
h=10 m=50
